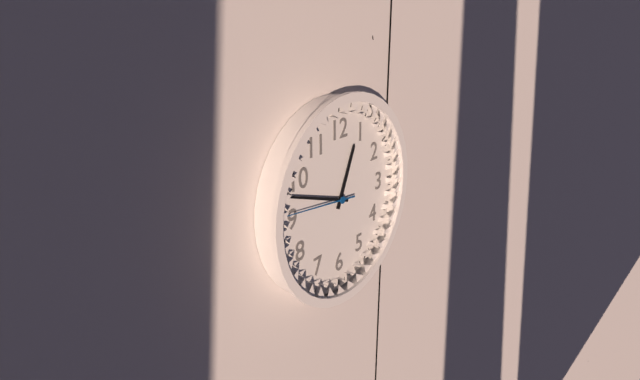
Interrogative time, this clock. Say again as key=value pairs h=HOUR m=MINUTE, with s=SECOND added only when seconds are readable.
h=12 m=48 s=46
